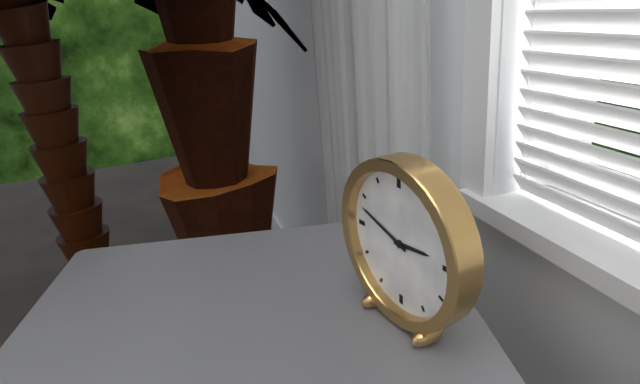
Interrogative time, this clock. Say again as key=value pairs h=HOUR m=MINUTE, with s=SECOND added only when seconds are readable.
h=2 m=48
